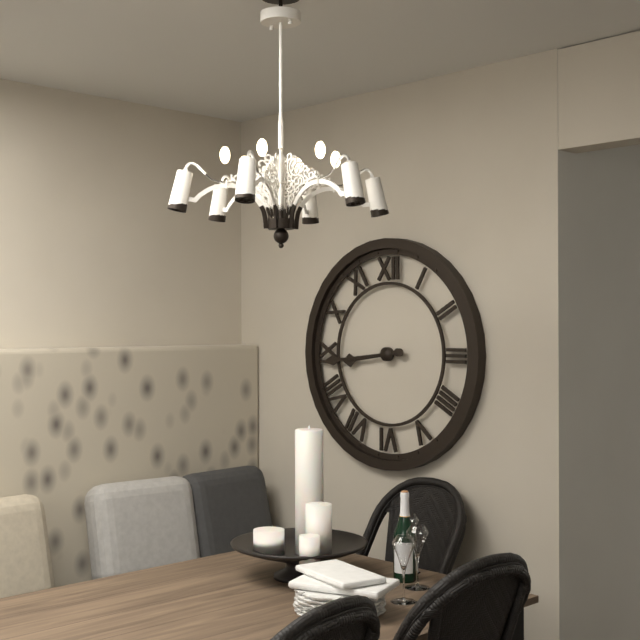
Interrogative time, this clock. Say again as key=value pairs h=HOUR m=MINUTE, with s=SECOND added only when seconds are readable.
h=8 m=44
